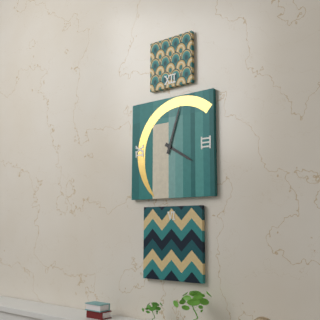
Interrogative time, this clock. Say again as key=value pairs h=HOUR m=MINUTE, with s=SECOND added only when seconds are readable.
h=4 m=3
